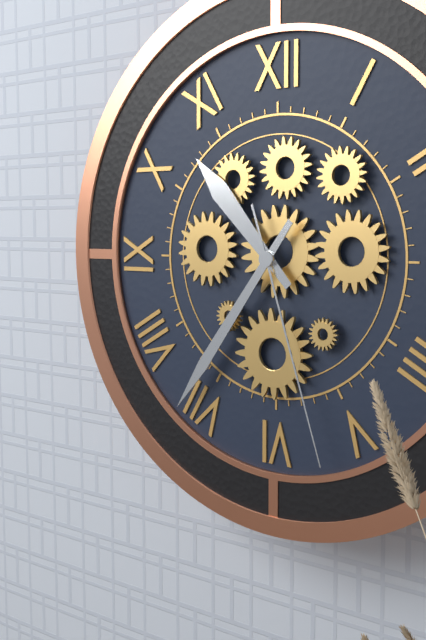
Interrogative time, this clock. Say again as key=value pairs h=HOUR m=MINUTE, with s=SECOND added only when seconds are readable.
h=10 m=36 s=27
